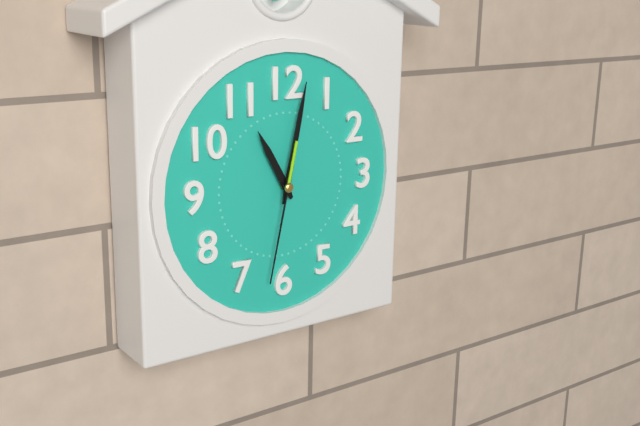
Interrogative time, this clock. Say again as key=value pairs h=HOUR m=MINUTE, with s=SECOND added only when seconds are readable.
h=11 m=2 s=32
